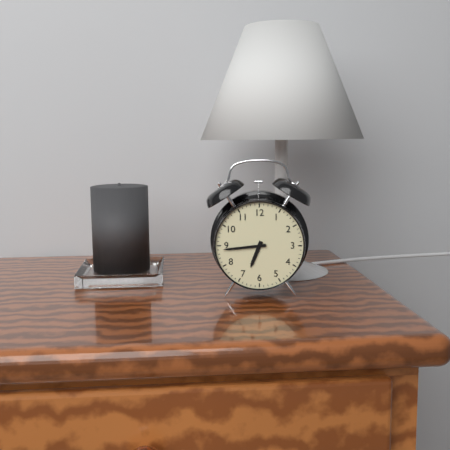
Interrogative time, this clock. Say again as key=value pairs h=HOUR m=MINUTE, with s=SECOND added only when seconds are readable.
h=6 m=44
